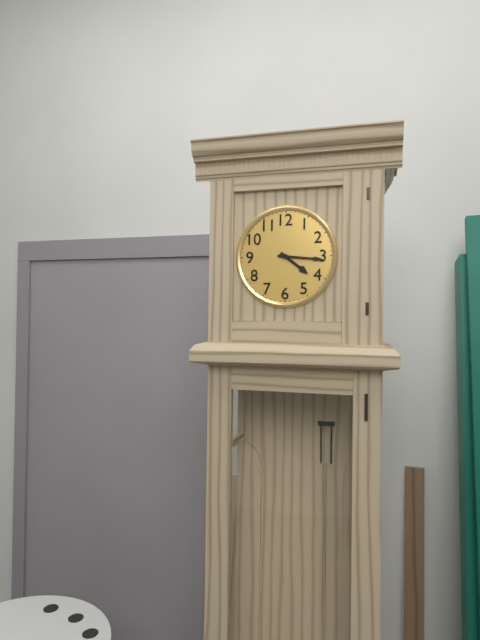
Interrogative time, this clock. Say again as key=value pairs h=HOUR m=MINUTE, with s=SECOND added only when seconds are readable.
h=4 m=16
